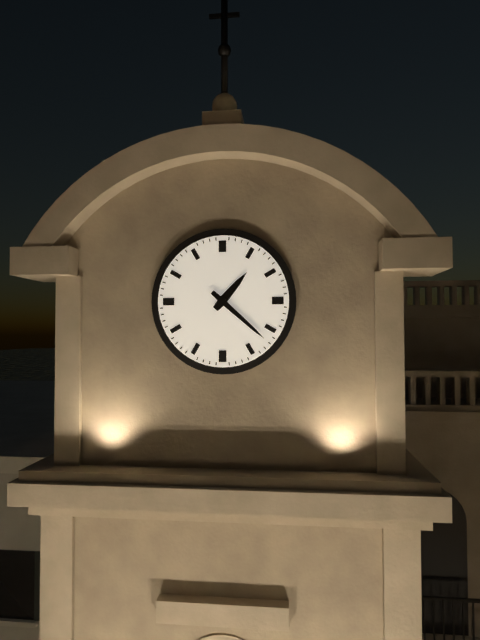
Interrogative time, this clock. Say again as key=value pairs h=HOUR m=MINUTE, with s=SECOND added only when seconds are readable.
h=1 m=22
